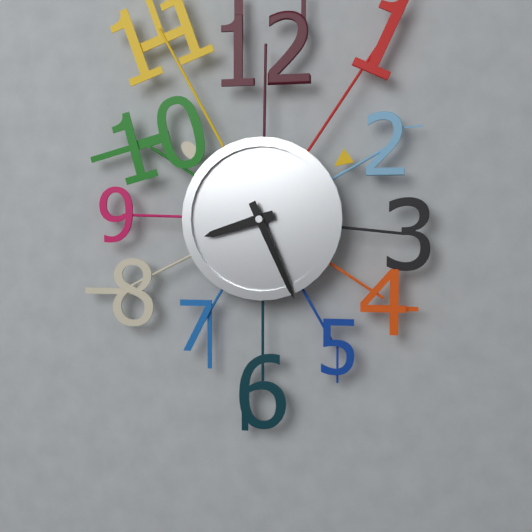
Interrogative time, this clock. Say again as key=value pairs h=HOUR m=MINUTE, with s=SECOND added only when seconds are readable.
h=8 m=26
